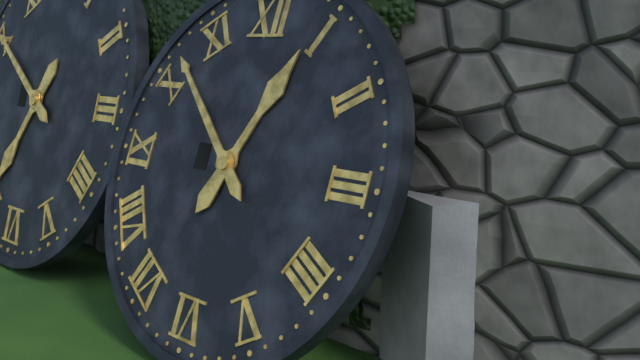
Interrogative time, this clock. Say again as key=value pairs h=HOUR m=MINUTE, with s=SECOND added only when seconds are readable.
h=12 m=52
